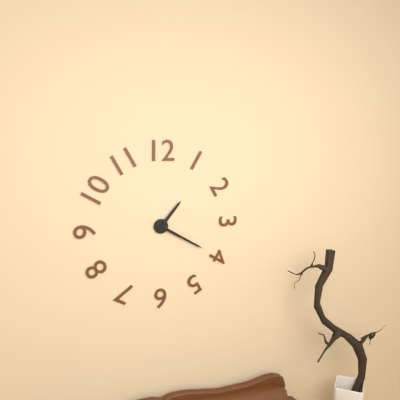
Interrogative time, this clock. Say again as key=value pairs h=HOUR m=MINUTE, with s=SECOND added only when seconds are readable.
h=1 m=20
